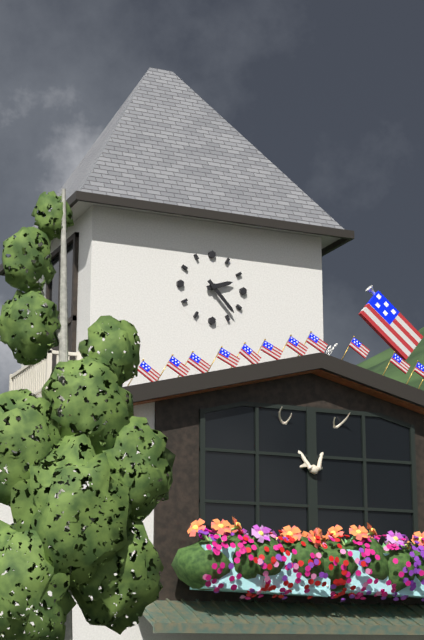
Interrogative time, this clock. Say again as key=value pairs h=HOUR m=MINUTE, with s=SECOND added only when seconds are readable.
h=2 m=23
